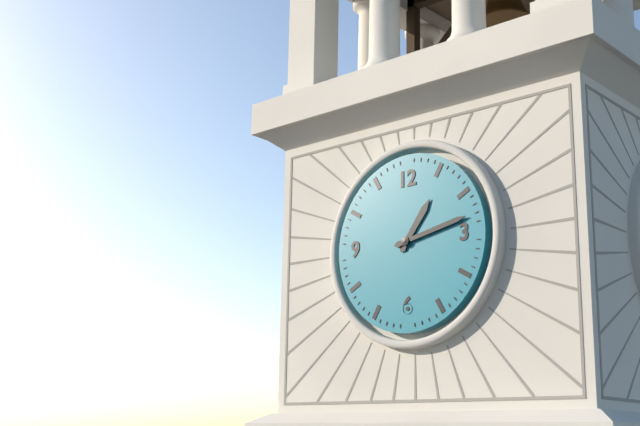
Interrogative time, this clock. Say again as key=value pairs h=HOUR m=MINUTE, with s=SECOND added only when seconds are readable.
h=1 m=13
